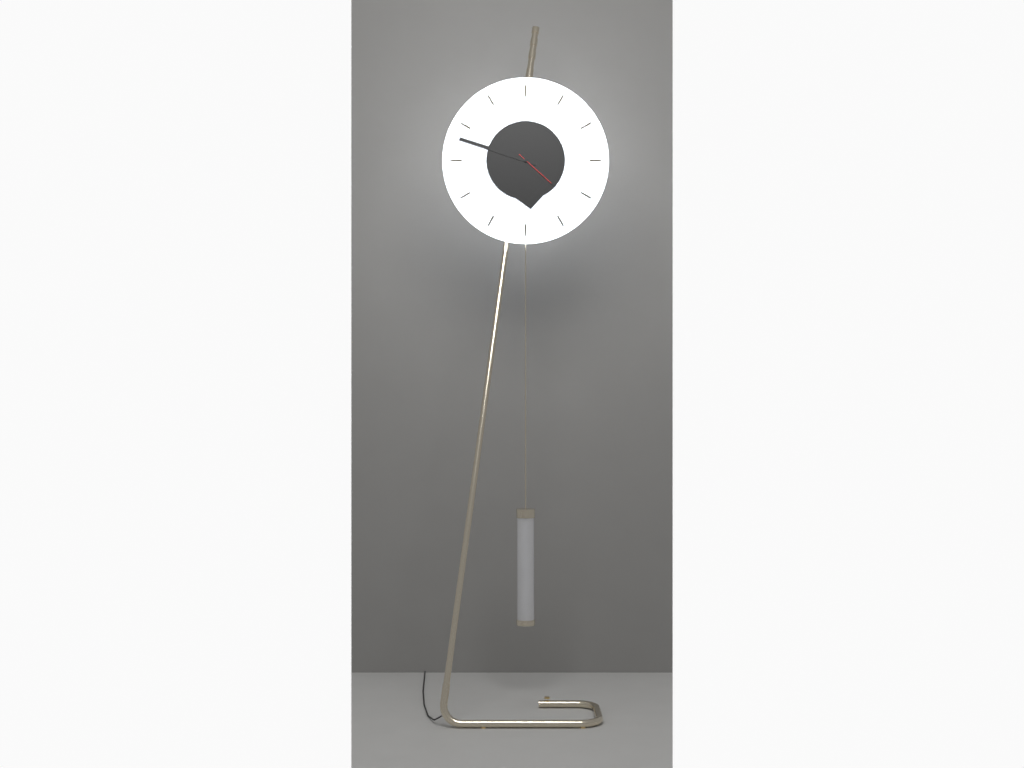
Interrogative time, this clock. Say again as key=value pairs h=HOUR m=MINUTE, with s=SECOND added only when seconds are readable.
h=5 m=48 s=22
